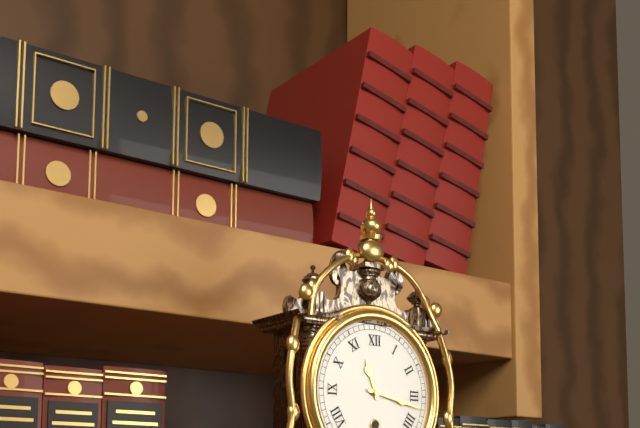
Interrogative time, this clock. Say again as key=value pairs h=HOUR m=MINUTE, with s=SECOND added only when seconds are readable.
h=11 m=17
